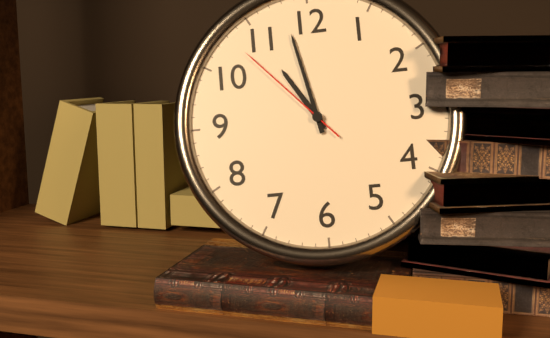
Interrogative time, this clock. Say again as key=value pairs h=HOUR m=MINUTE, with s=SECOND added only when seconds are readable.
h=10 m=58 s=53
